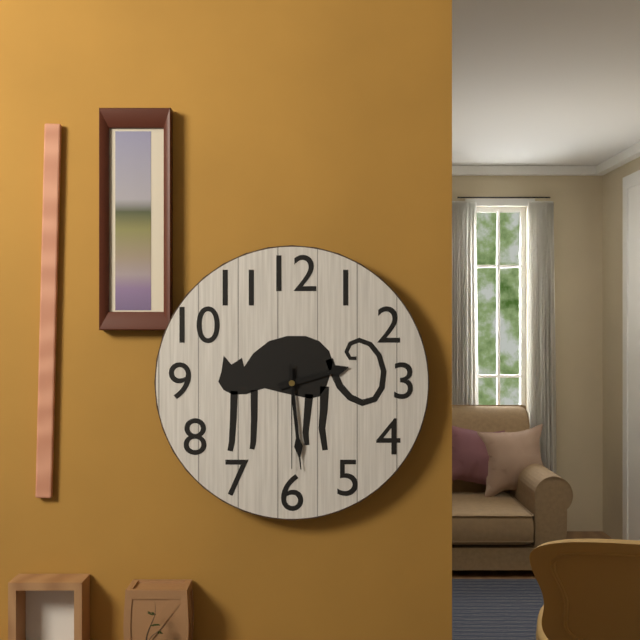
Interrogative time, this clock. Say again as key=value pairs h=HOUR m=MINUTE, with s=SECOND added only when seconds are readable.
h=2 m=29 s=30
